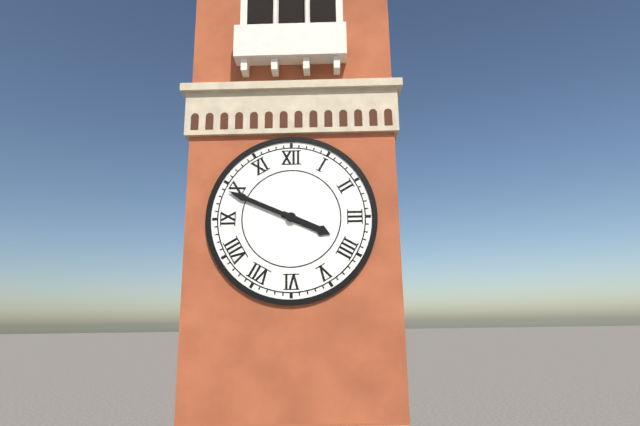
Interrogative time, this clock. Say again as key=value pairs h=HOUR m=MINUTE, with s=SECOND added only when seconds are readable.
h=3 m=49
